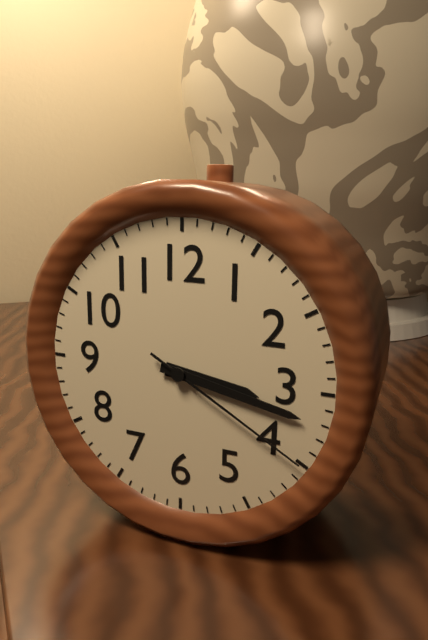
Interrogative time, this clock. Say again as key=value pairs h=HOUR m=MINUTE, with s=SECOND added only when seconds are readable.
h=3 m=17 s=20
